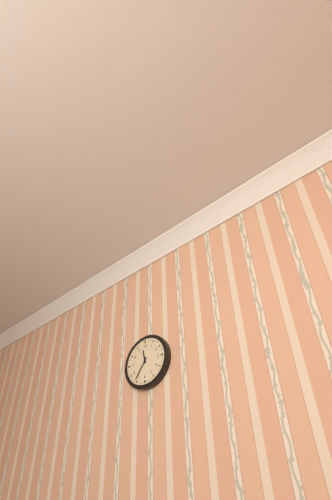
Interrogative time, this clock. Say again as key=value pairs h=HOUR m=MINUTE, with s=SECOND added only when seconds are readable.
h=11 m=36
